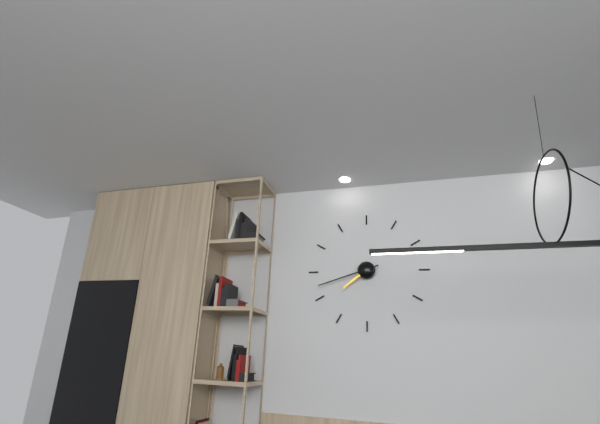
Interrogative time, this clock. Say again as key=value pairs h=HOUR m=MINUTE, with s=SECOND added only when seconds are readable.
h=7 m=42
